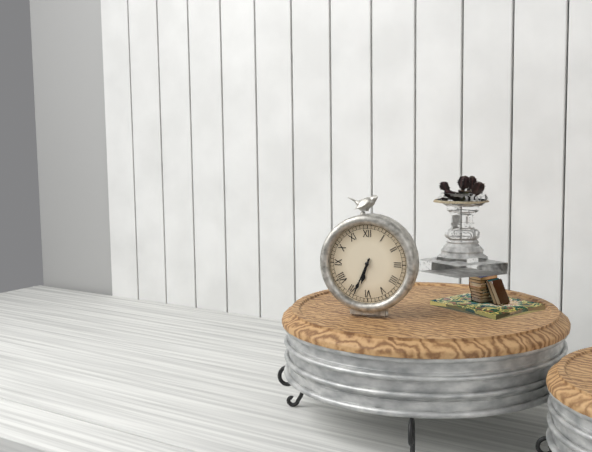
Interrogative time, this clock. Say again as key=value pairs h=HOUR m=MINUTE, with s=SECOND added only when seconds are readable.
h=6 m=34
